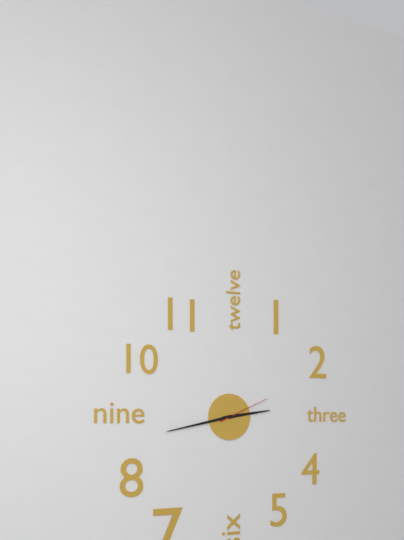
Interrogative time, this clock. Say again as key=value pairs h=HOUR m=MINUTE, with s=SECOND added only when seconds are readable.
h=2 m=43 s=11
